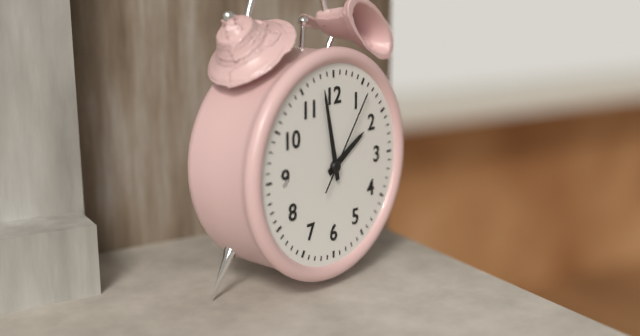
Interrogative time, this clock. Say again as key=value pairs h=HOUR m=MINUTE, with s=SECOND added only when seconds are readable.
h=1 m=58 s=6
